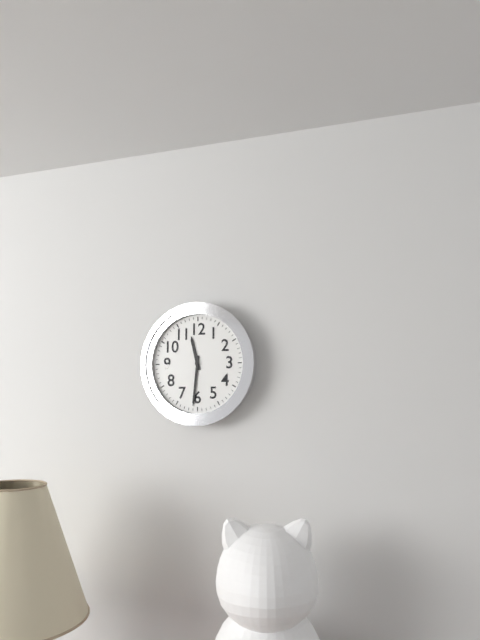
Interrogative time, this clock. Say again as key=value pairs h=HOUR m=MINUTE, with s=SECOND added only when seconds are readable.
h=11 m=31
